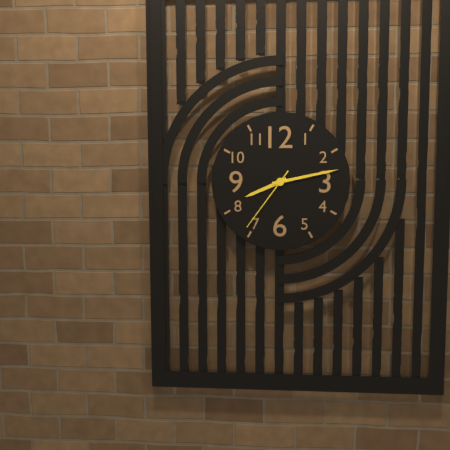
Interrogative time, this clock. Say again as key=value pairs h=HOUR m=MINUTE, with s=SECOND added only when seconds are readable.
h=8 m=13 s=36
